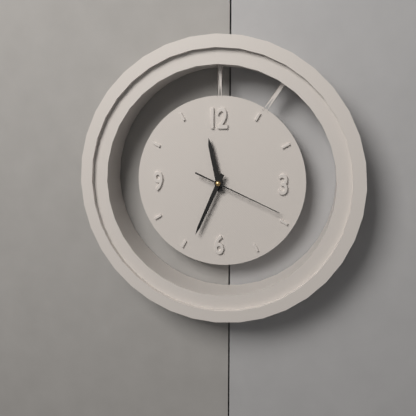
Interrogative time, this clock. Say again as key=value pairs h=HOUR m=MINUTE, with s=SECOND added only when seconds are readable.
h=11 m=34 s=19
